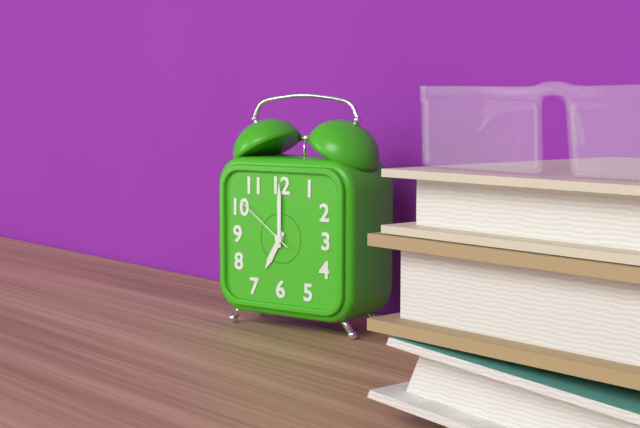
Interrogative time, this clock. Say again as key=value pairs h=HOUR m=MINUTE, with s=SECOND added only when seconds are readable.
h=7 m=0 s=51
